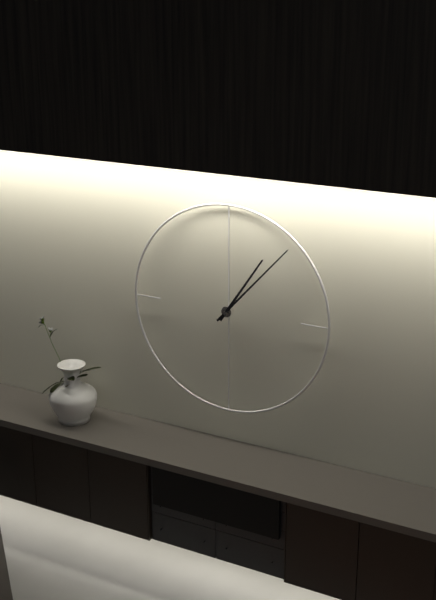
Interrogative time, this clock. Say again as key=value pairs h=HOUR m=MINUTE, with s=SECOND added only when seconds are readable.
h=1 m=7
